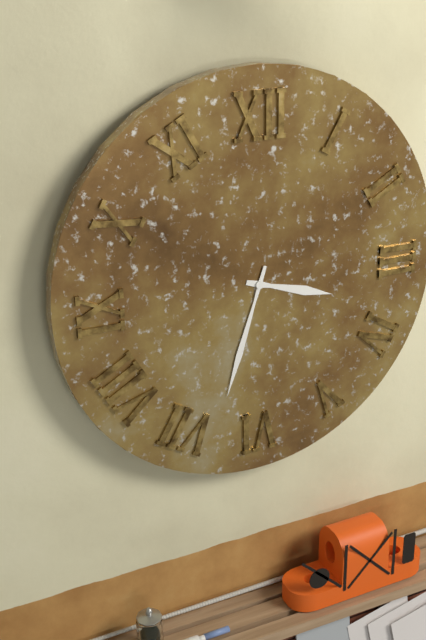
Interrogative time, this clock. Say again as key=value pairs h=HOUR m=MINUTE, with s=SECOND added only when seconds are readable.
h=3 m=33
